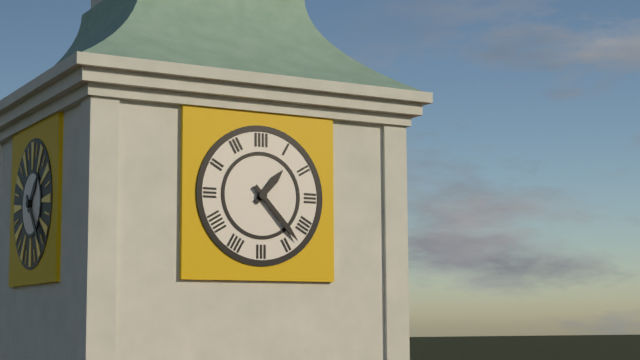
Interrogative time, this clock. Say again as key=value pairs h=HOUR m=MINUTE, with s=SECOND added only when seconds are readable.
h=1 m=23
